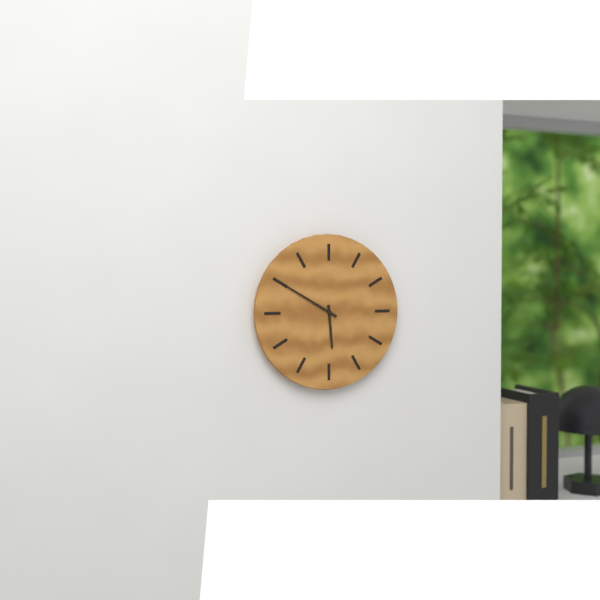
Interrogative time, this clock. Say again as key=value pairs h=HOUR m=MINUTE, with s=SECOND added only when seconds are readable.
h=5 m=50
